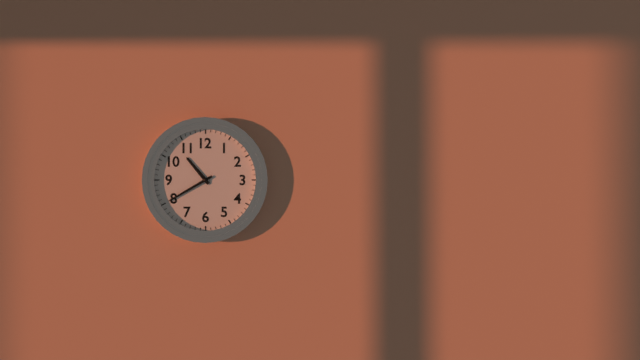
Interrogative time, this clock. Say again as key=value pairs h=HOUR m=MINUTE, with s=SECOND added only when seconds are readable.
h=10 m=40
